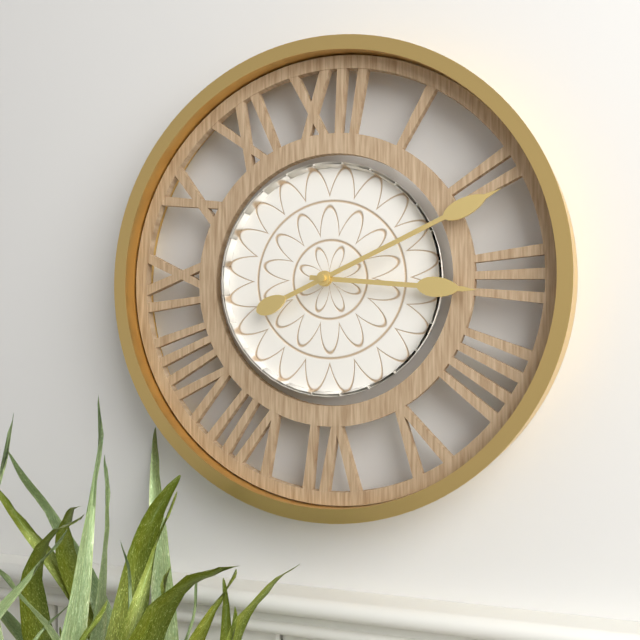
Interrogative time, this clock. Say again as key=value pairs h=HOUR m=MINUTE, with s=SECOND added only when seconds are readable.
h=3 m=11
